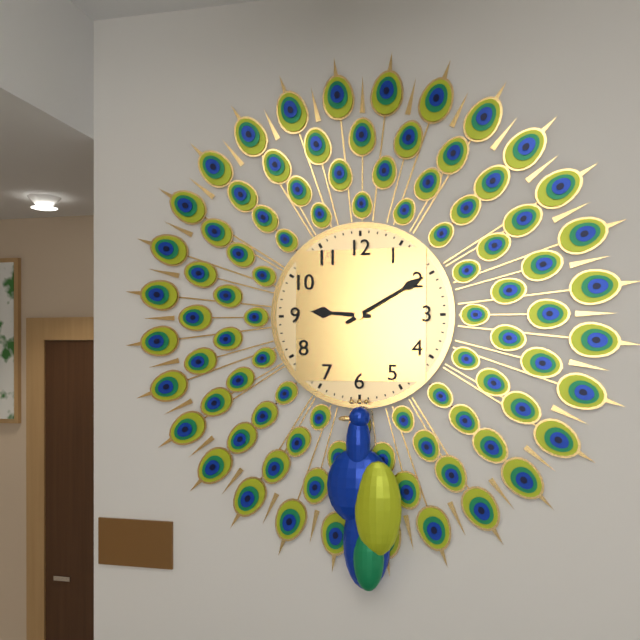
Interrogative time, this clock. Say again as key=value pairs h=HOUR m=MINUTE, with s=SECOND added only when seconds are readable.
h=9 m=10
